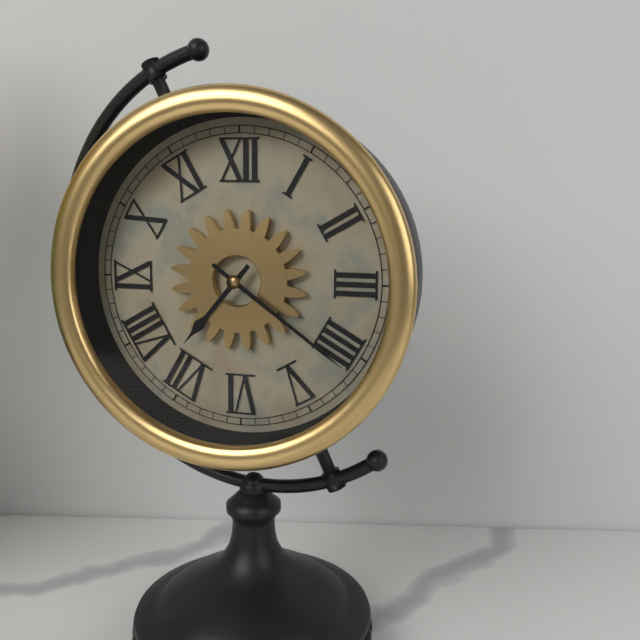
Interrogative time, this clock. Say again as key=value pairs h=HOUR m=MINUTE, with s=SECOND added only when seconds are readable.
h=7 m=21
